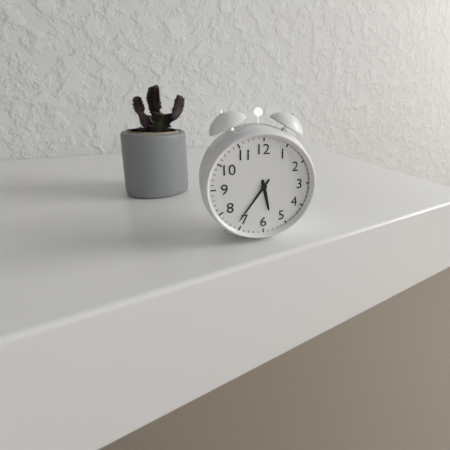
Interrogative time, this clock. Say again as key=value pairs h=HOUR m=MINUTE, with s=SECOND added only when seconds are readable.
h=5 m=36
